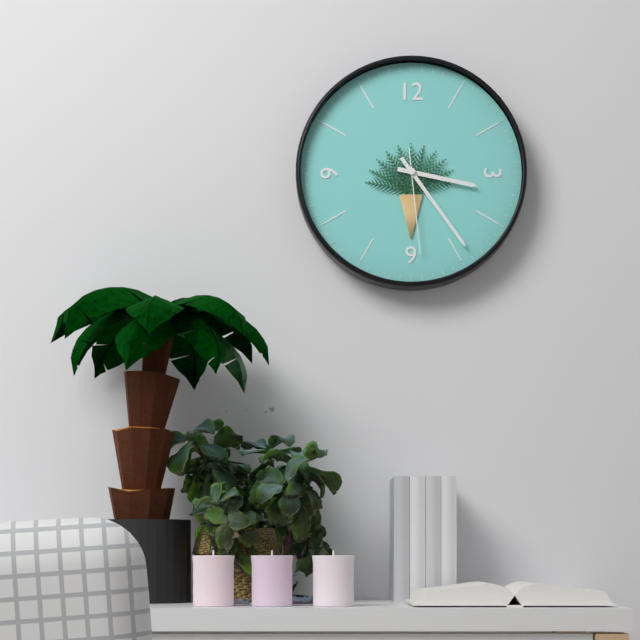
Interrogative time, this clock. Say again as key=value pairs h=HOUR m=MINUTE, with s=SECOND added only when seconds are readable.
h=3 m=24 s=29
